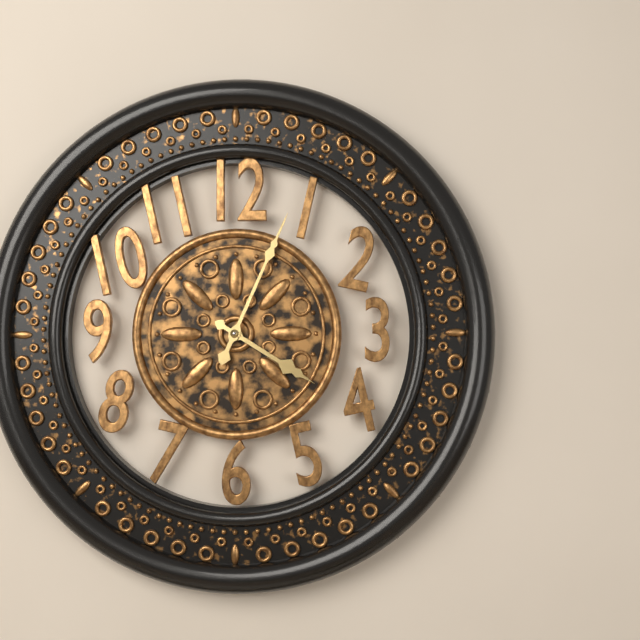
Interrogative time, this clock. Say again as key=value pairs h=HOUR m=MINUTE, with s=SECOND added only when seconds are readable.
h=4 m=4
